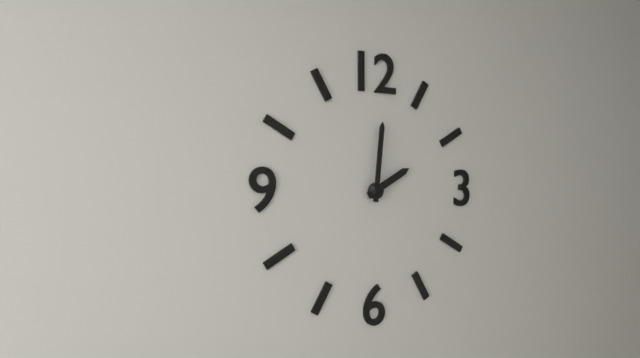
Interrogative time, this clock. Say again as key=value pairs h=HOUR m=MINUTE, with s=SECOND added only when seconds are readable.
h=2 m=1
